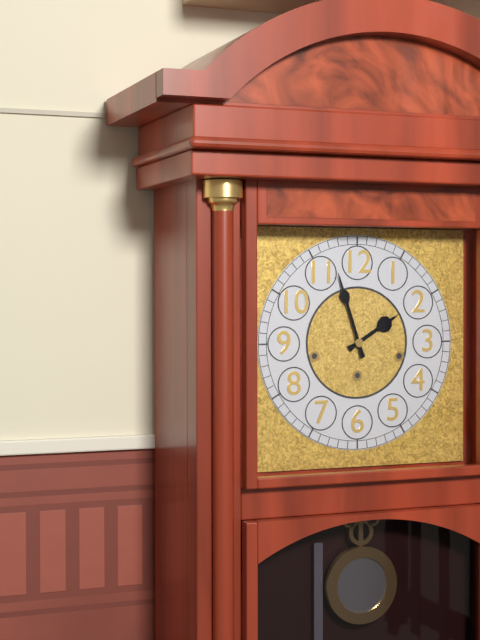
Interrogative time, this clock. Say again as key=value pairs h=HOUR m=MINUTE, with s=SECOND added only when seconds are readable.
h=1 m=57
